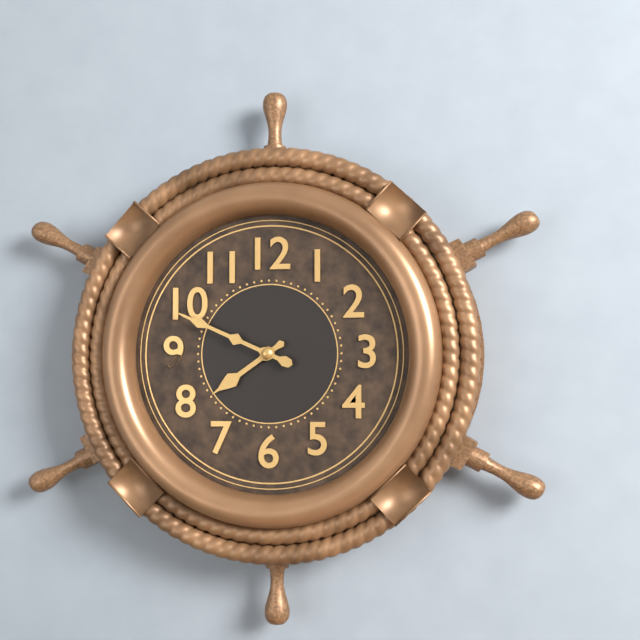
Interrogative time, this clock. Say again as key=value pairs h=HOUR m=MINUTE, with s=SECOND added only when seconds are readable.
h=7 m=49
